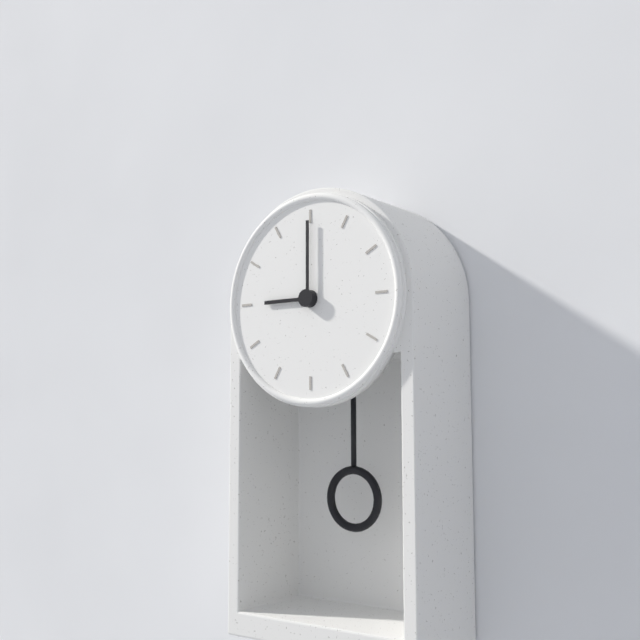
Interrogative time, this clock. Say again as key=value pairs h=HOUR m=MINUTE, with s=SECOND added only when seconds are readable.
h=9 m=0
